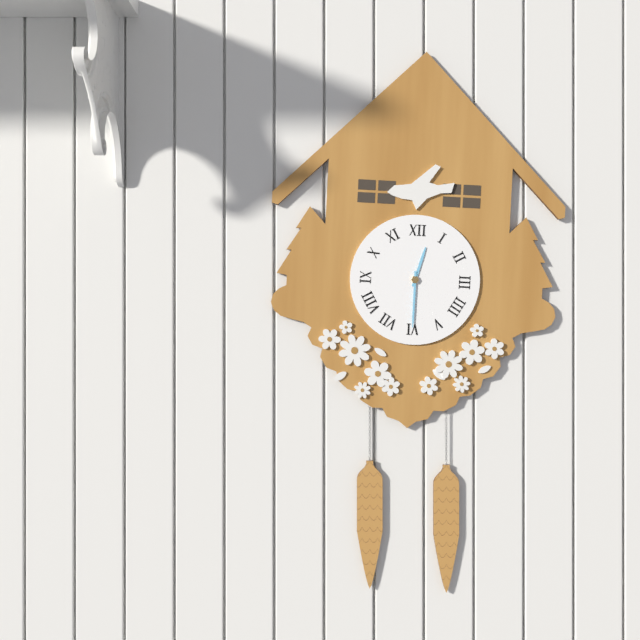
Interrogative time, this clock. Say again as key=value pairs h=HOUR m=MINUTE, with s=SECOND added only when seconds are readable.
h=12 m=30
